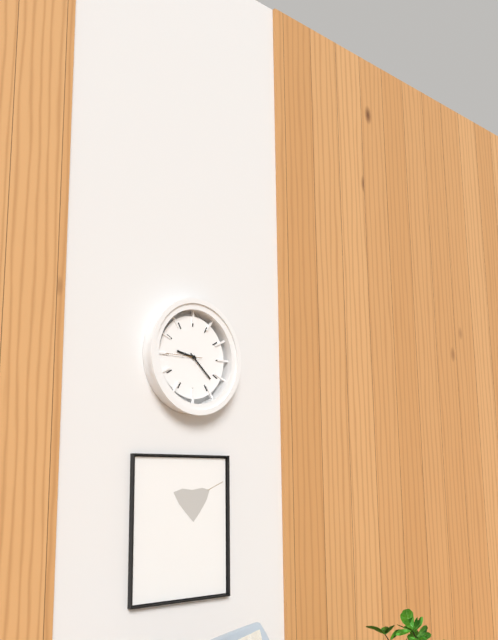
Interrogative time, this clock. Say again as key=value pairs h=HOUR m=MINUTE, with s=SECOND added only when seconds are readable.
h=9 m=22
